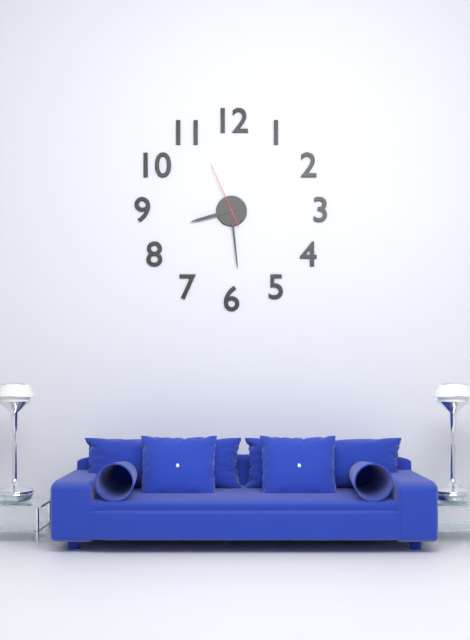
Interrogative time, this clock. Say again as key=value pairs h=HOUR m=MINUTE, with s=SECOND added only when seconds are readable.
h=8 m=29 s=56
